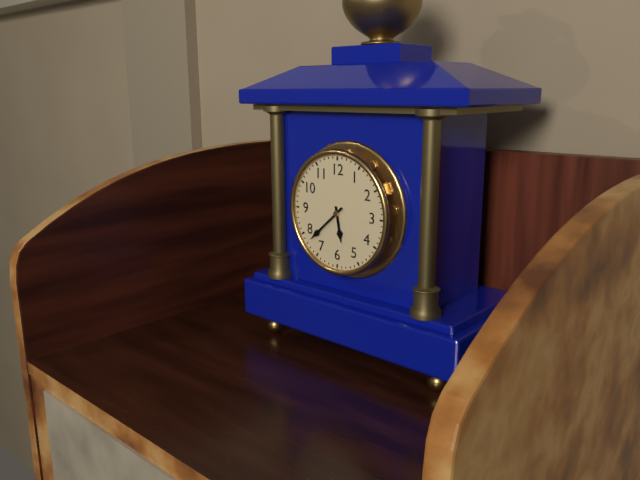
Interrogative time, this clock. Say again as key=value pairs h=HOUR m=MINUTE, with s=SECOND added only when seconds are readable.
h=5 m=38
